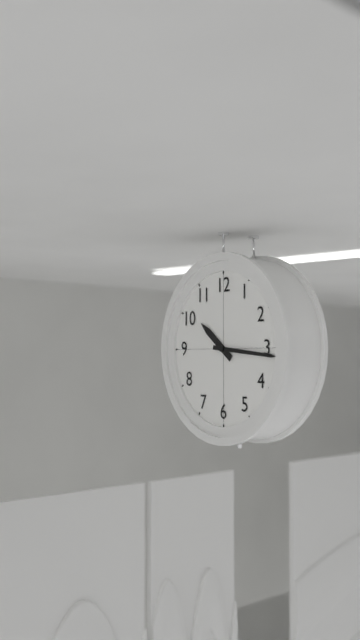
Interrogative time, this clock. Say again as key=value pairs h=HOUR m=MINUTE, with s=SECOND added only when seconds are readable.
h=10 m=16
